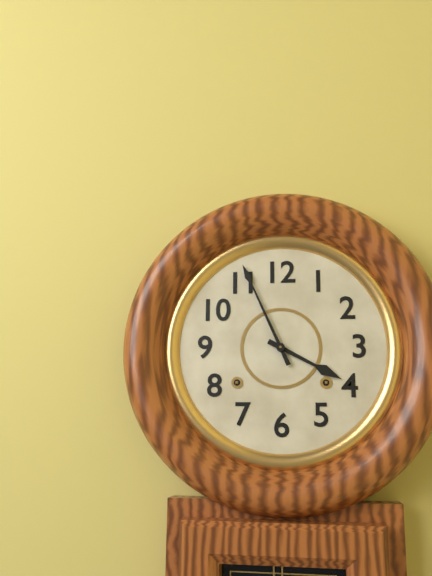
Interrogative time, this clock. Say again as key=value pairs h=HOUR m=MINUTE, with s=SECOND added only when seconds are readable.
h=3 m=56
